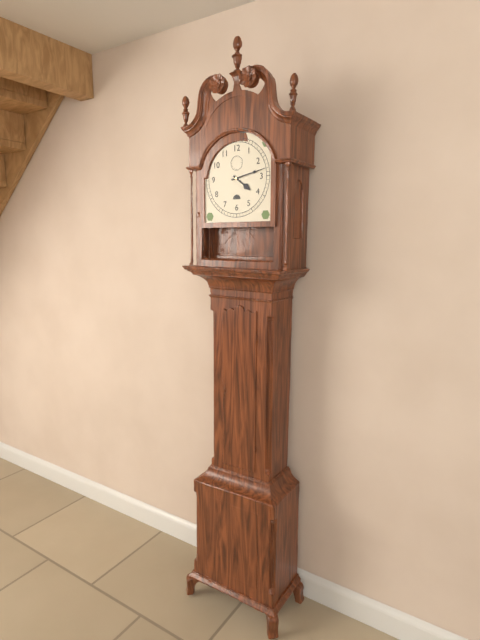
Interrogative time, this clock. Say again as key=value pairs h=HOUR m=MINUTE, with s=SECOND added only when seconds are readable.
h=4 m=13
